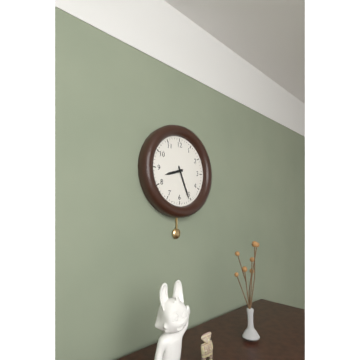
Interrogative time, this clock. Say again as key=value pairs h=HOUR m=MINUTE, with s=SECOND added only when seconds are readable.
h=8 m=26
